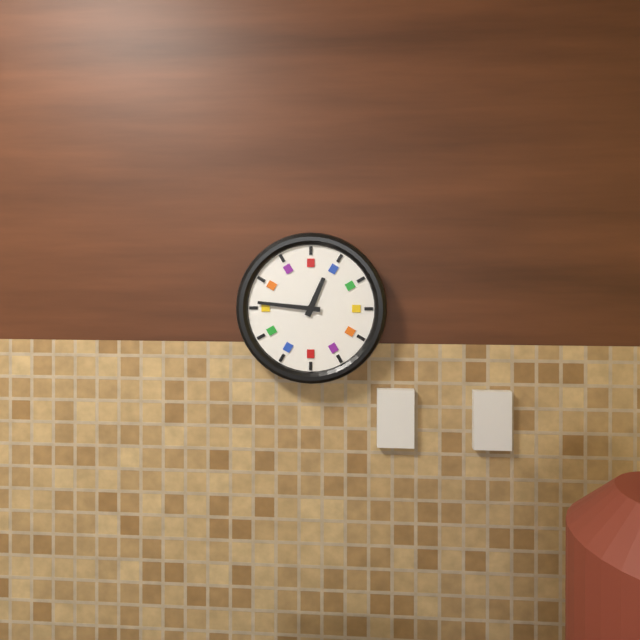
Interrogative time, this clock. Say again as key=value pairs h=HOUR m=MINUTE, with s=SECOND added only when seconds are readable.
h=12 m=46
